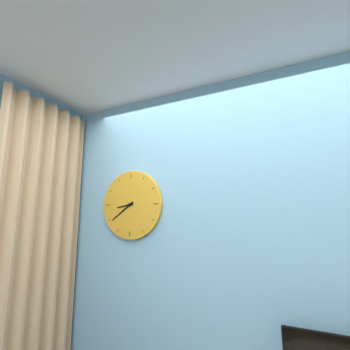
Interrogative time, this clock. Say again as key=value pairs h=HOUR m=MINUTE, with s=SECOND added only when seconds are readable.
h=8 m=39
